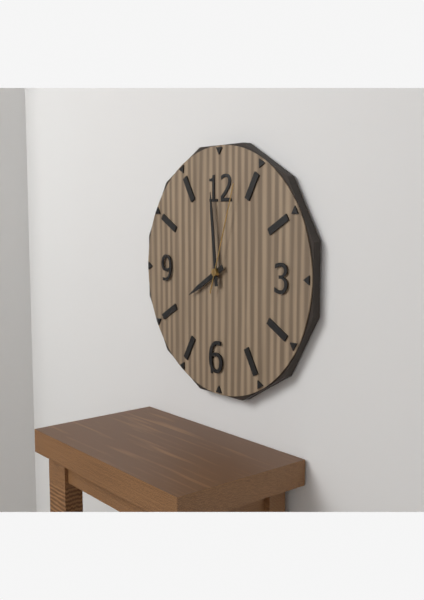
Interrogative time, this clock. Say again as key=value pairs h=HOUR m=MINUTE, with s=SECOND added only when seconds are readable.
h=7 m=59 s=3
